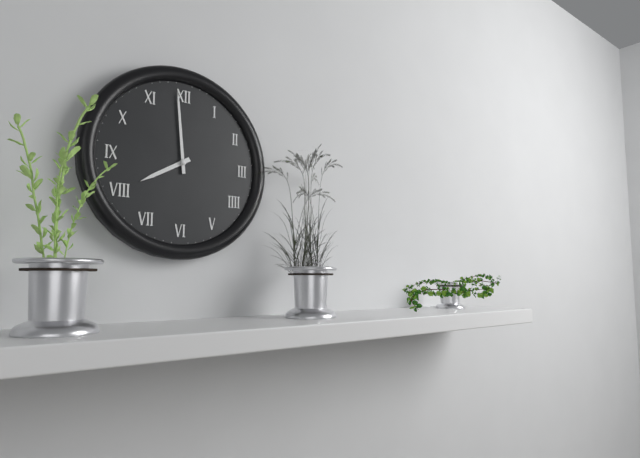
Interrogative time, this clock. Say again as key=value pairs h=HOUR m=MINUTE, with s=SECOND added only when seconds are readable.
h=7 m=59
